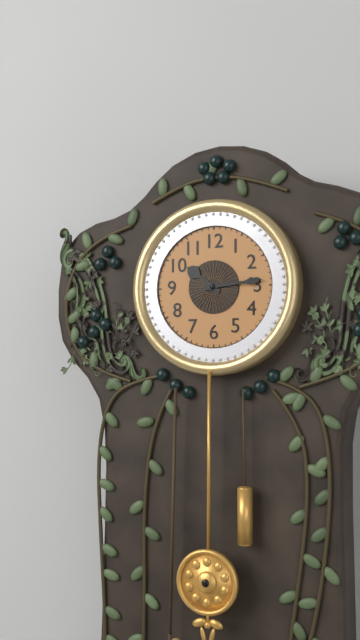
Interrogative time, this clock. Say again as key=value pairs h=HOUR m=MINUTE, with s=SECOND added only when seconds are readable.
h=10 m=14
